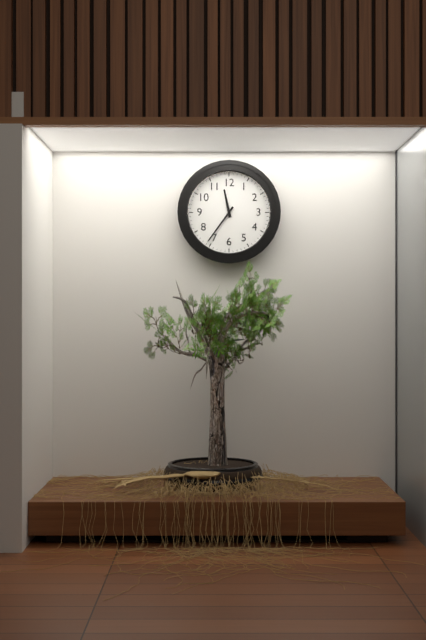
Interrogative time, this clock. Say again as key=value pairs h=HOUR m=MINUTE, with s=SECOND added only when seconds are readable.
h=11 m=36
